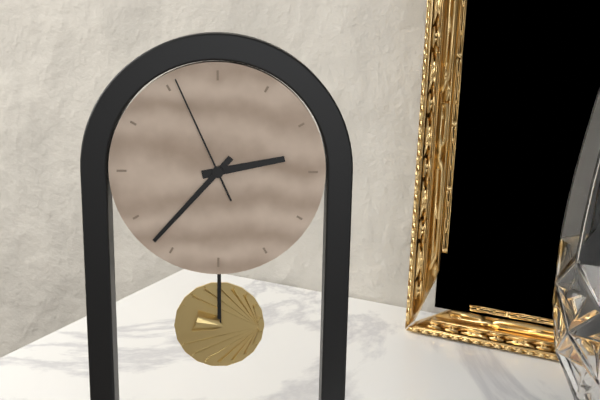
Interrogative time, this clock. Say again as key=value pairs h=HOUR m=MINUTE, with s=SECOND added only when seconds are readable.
h=2 m=37 s=56
